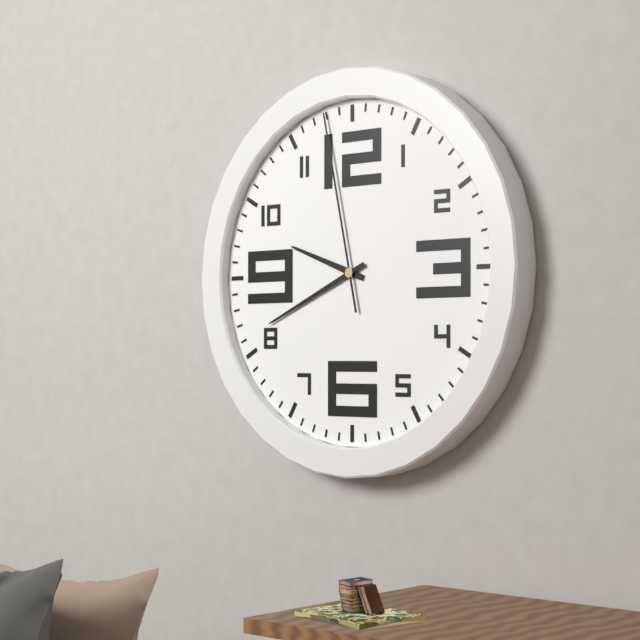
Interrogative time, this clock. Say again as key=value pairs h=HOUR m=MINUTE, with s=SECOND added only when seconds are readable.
h=9 m=41 s=58
